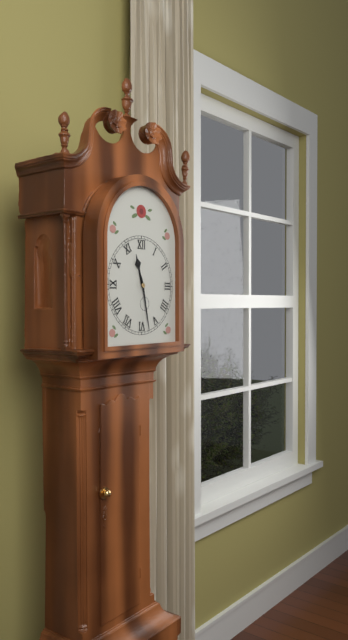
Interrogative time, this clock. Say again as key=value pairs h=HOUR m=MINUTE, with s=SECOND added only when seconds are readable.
h=11 m=28
